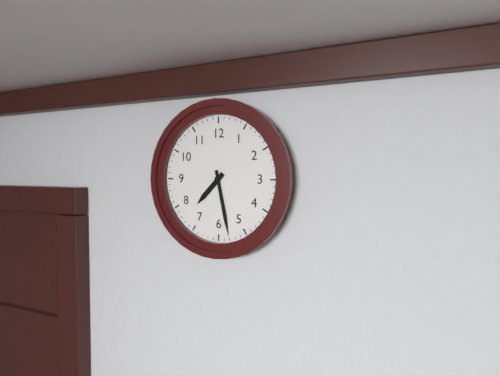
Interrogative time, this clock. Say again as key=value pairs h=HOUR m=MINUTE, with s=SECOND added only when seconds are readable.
h=7 m=28
